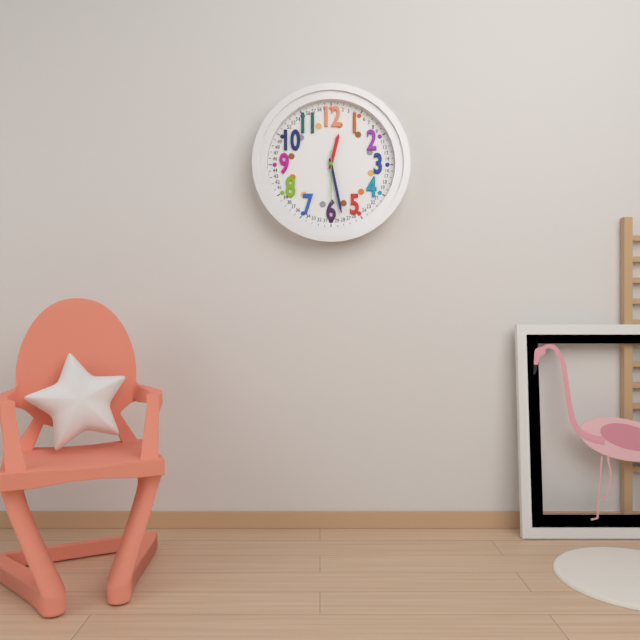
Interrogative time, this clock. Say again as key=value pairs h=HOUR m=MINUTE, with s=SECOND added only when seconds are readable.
h=12 m=28 s=30
